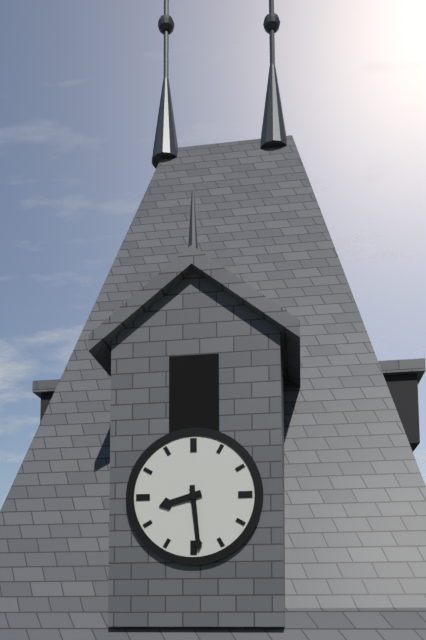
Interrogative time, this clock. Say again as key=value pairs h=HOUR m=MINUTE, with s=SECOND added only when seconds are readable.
h=8 m=29
